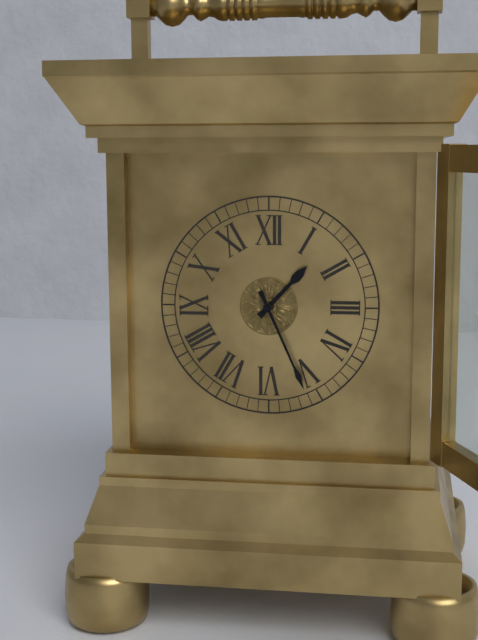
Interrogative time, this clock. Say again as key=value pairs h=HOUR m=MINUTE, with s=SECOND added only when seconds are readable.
h=1 m=26
